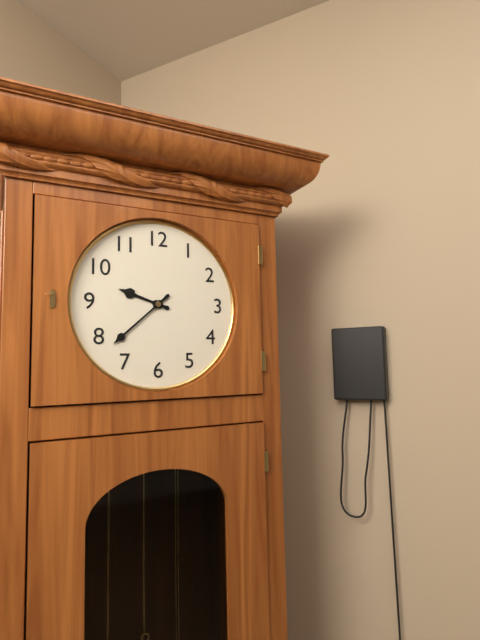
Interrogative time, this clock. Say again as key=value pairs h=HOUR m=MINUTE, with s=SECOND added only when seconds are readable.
h=9 m=38
